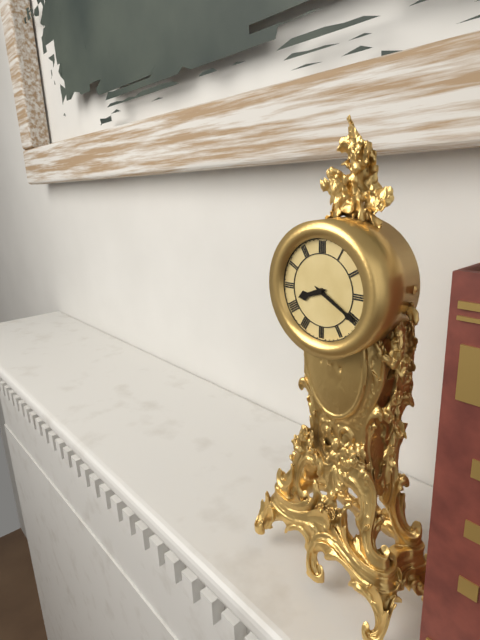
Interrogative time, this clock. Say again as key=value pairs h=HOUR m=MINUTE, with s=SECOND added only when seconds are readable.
h=8 m=20
